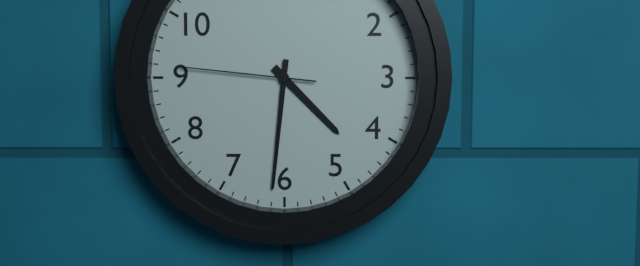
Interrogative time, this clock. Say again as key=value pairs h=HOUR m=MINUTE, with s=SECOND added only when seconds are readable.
h=4 m=31 s=46
